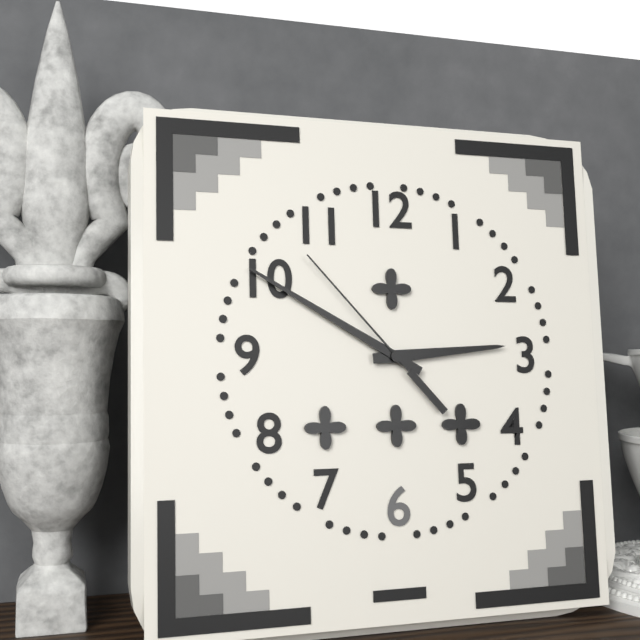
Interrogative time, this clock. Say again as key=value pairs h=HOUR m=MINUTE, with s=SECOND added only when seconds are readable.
h=2 m=50 s=53
